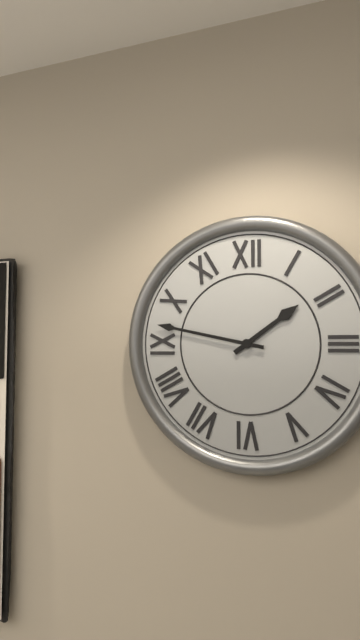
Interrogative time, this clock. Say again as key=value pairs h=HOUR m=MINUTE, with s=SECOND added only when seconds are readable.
h=1 m=47
